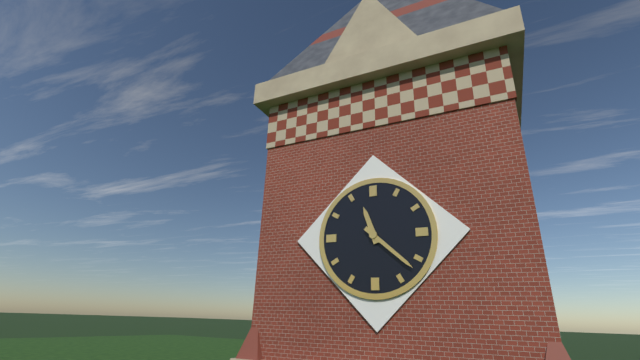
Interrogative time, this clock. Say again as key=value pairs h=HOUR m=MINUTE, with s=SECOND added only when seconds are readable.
h=11 m=22
